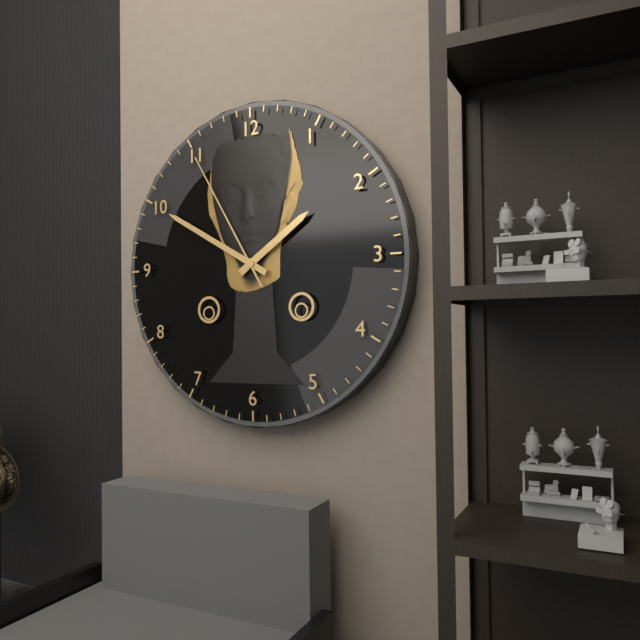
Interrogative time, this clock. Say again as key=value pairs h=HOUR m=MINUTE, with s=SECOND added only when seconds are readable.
h=1 m=50 s=55
